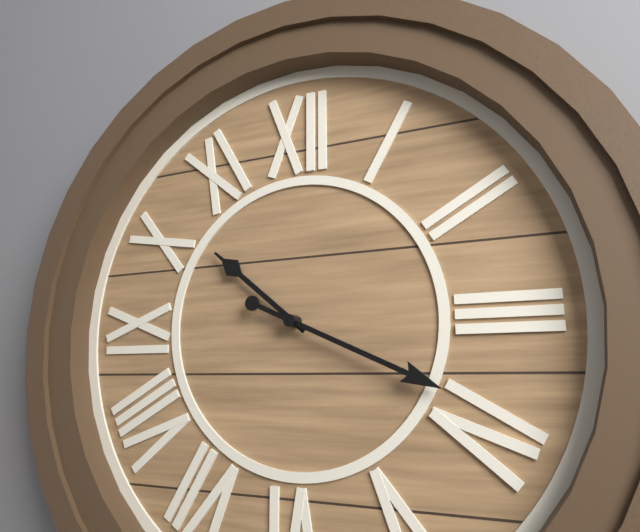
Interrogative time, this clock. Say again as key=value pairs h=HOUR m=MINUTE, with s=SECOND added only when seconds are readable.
h=10 m=19
